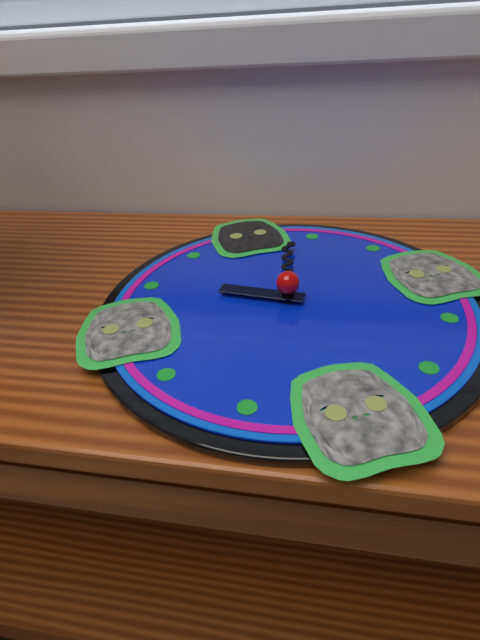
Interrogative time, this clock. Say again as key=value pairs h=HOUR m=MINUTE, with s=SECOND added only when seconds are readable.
h=10 m=3
